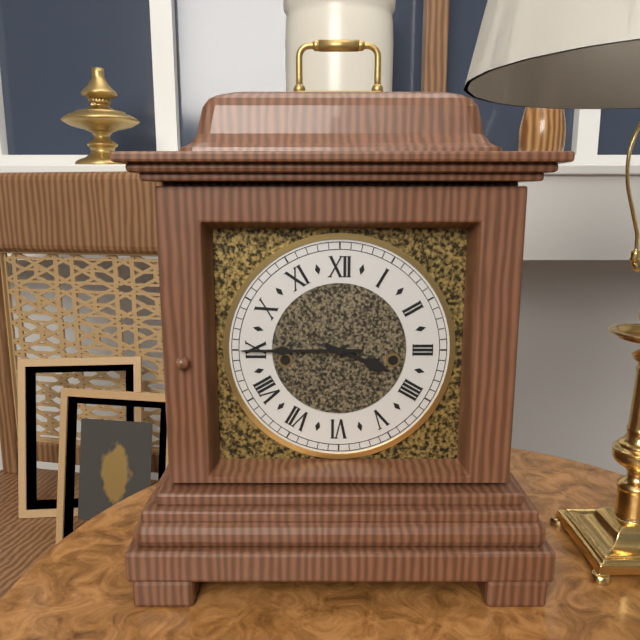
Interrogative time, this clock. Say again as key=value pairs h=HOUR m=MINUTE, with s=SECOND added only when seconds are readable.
h=3 m=45
